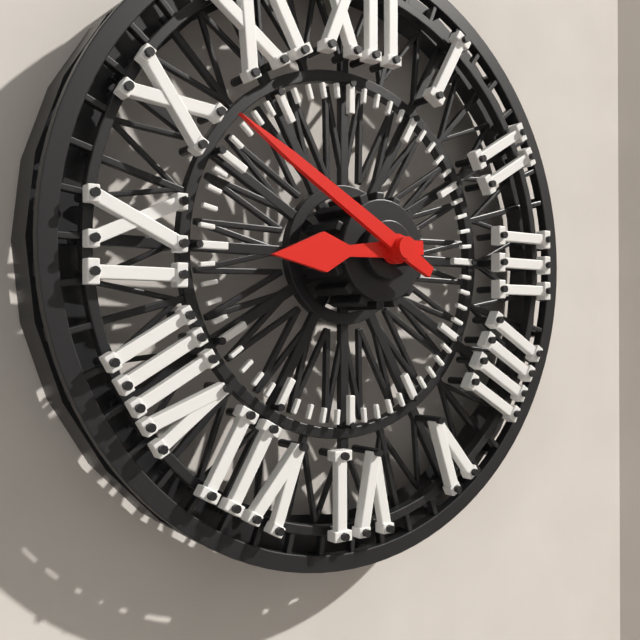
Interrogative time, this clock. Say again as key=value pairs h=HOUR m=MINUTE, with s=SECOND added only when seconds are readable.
h=8 m=50
